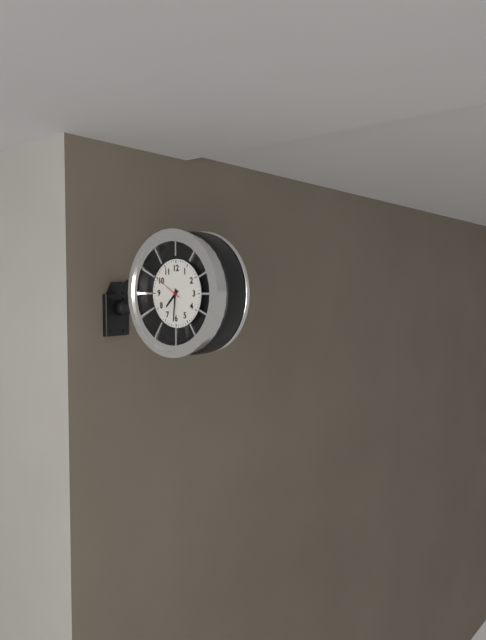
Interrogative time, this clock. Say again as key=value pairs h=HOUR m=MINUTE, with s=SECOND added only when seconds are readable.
h=7 m=31
